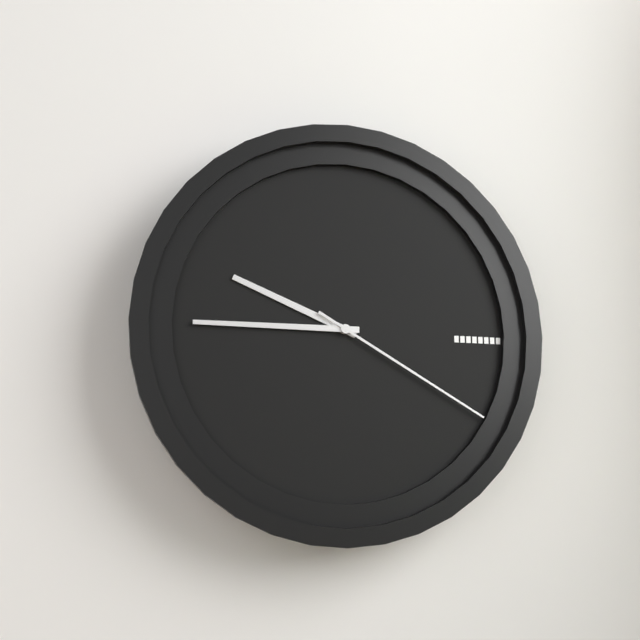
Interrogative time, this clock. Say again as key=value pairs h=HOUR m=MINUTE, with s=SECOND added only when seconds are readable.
h=9 m=45 s=20
